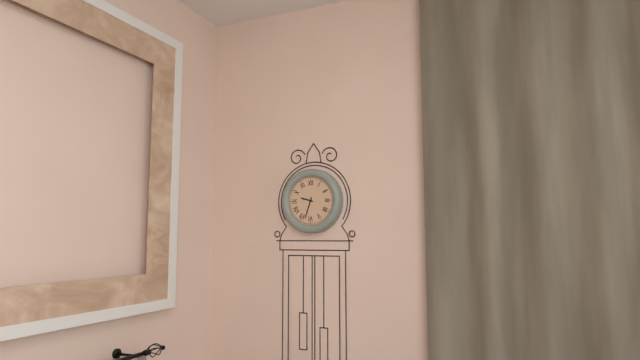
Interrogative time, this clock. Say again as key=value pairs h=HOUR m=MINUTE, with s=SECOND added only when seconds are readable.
h=9 m=33
